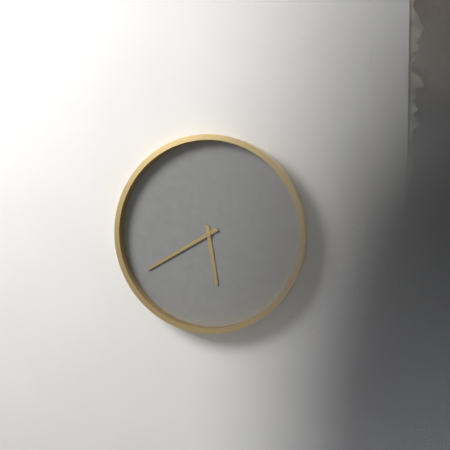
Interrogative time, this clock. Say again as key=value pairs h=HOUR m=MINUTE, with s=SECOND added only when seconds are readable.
h=5 m=40
